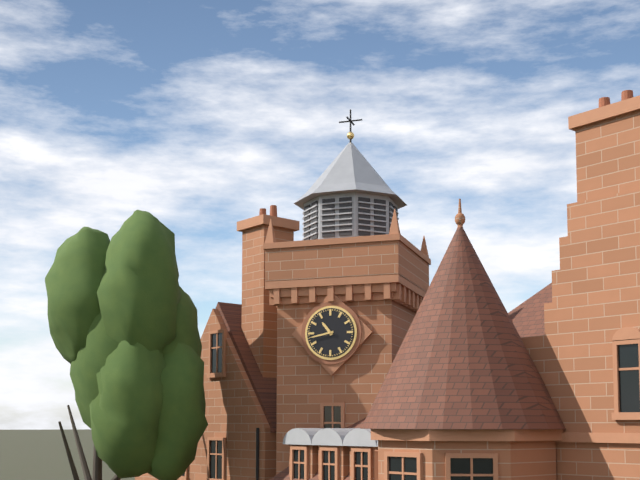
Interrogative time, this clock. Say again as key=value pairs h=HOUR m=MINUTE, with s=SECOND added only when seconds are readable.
h=10 m=43
